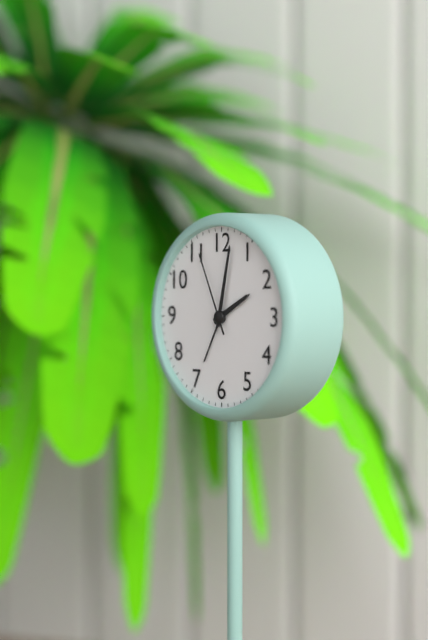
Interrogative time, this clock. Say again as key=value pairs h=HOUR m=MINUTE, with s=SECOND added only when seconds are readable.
h=2 m=2 s=56
